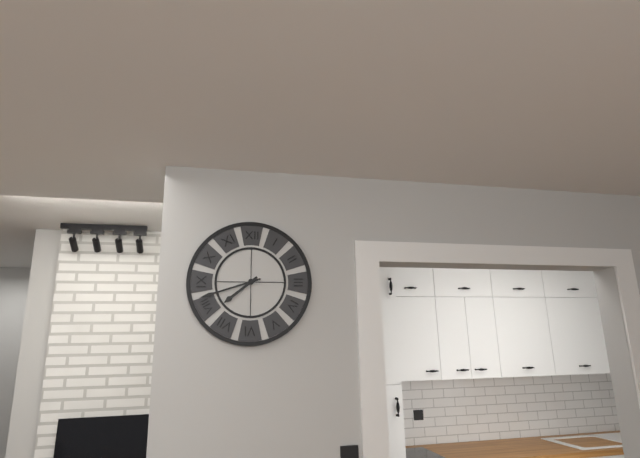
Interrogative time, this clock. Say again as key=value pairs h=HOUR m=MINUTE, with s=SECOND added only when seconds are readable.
h=7 m=42
